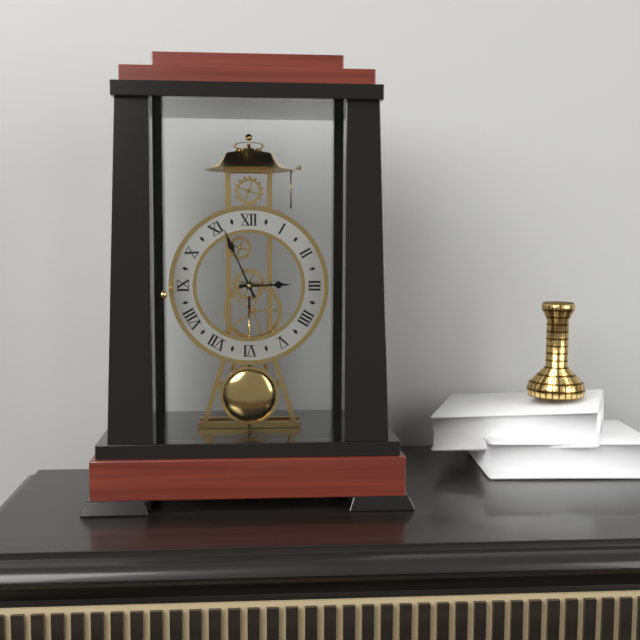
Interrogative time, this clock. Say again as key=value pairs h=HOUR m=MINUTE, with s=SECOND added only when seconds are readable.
h=2 m=56
